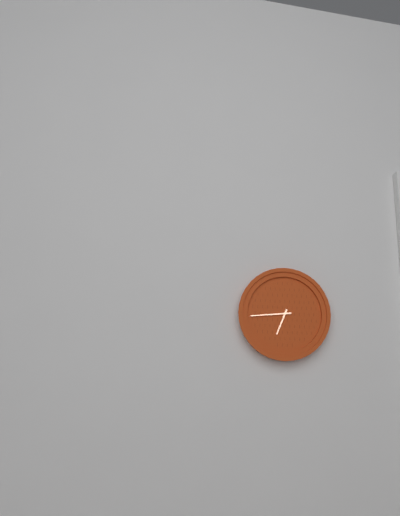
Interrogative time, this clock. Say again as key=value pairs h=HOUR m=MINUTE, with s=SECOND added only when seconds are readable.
h=6 m=44
